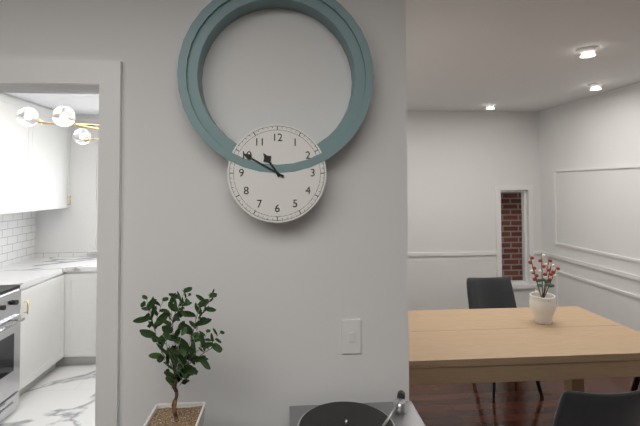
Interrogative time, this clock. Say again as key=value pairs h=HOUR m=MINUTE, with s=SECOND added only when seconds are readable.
h=10 m=50
